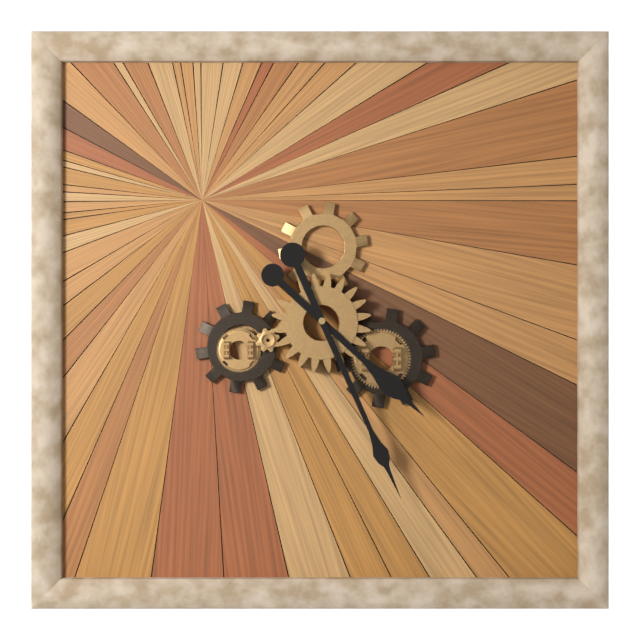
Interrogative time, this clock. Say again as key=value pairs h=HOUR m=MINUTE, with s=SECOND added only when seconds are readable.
h=4 m=26
